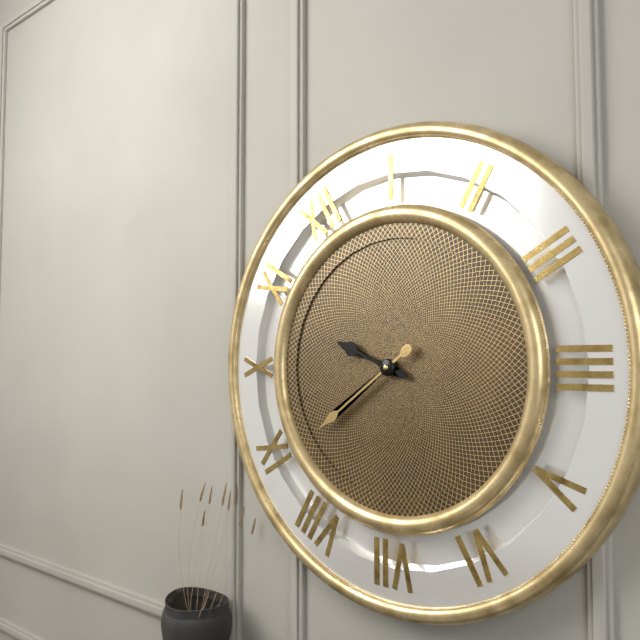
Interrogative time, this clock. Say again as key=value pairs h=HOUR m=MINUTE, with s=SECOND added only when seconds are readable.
h=10 m=44
